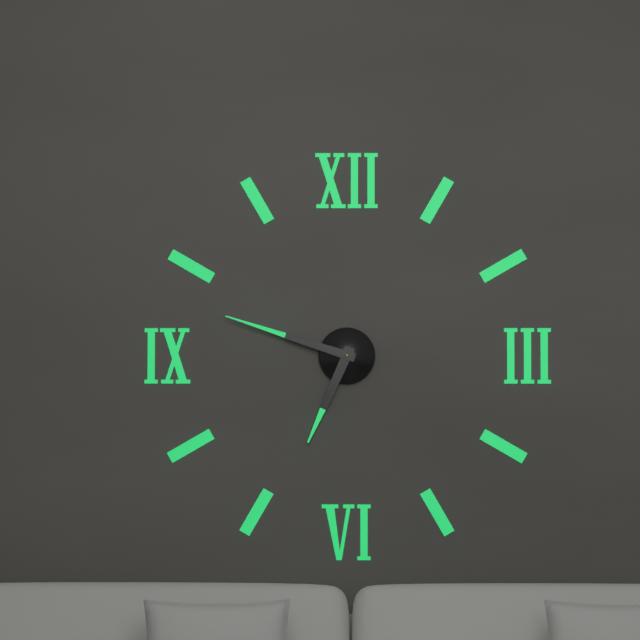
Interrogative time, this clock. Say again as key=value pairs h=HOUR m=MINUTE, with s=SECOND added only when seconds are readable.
h=6 m=48
